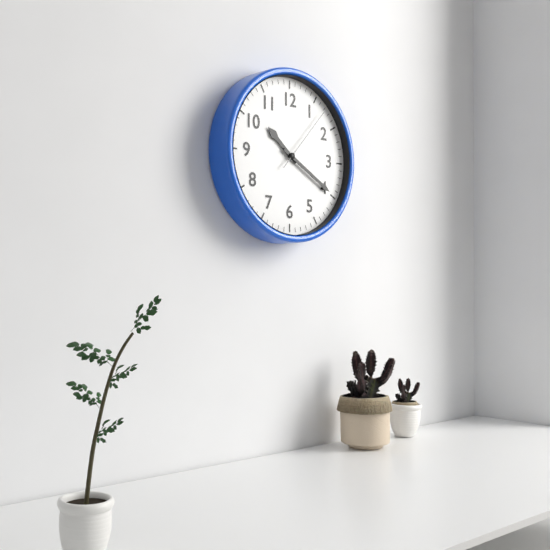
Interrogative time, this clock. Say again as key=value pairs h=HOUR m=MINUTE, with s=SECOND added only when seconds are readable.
h=10 m=20 s=7
